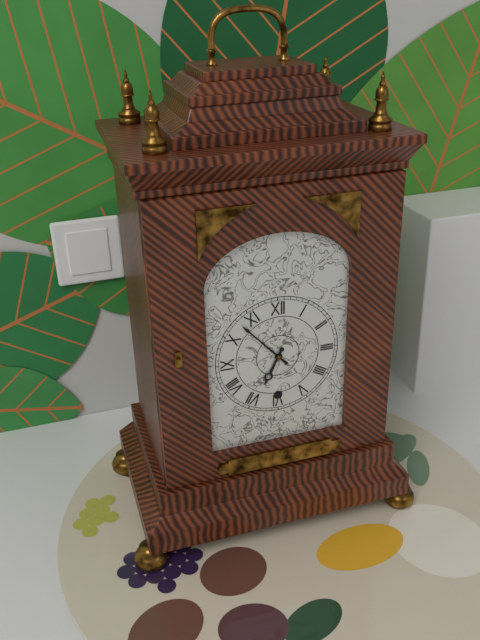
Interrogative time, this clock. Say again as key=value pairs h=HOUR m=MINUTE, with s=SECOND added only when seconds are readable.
h=6 m=53
